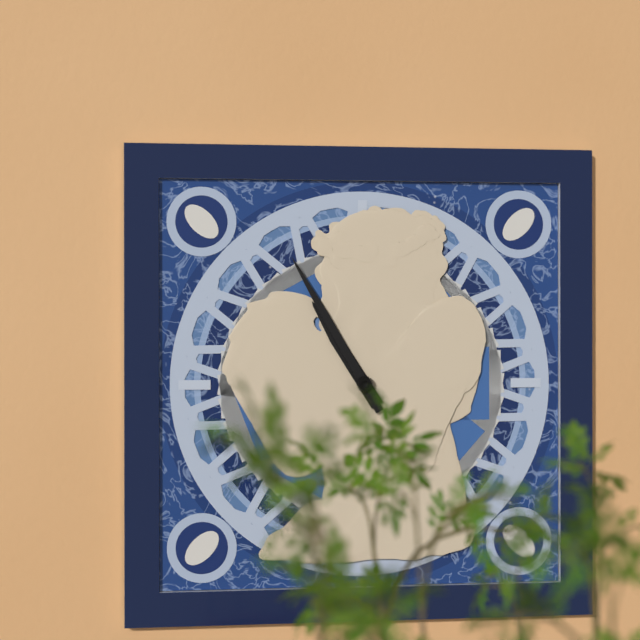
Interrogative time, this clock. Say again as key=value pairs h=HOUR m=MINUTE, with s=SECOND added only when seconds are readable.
h=10 m=55
